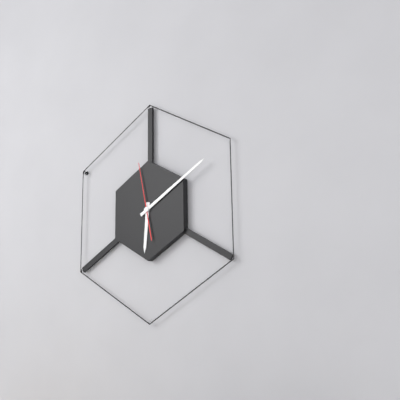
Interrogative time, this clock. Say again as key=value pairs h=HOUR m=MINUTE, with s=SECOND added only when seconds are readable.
h=6 m=10 s=58
